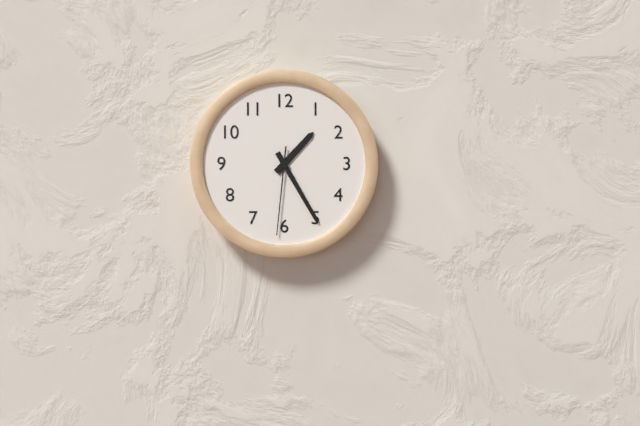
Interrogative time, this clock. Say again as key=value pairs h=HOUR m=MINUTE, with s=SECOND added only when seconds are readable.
h=1 m=25 s=31
